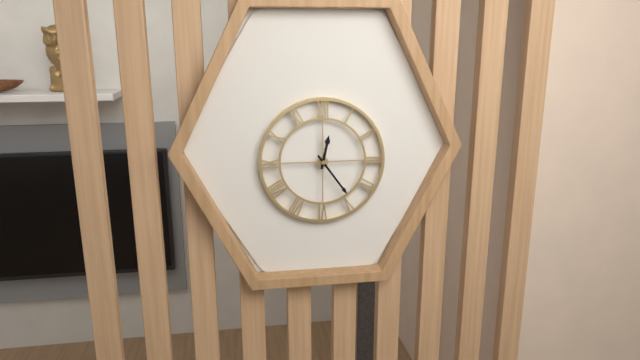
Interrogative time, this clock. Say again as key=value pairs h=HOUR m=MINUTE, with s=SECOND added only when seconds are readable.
h=12 m=24
